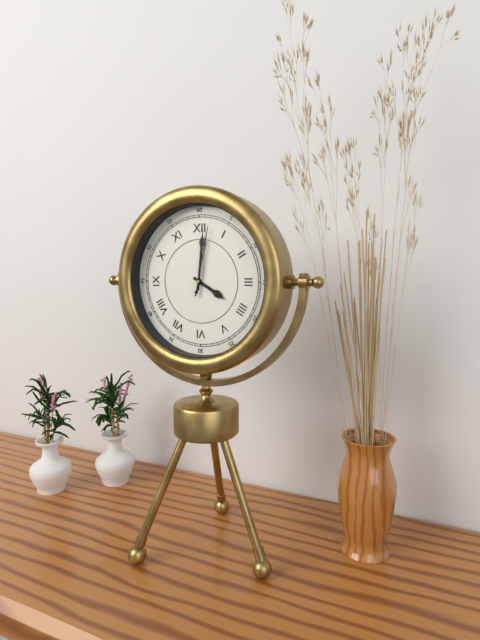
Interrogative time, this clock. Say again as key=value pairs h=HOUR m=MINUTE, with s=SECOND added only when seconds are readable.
h=4 m=1 s=2
